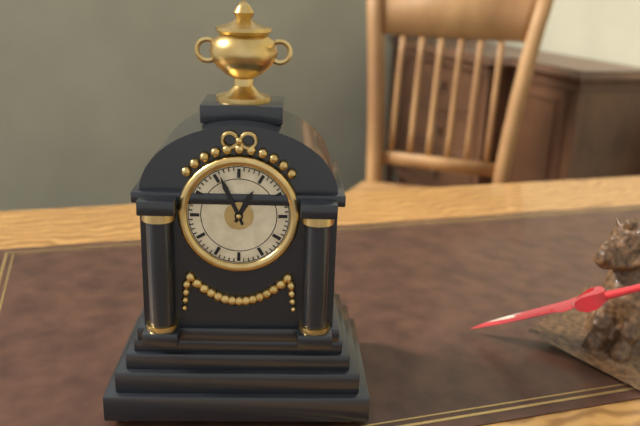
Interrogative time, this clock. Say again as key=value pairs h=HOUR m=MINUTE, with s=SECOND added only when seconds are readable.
h=12 m=56
